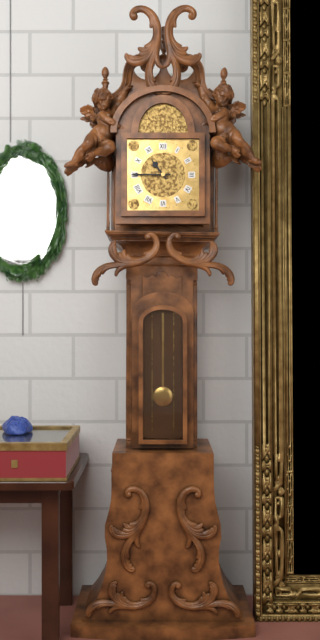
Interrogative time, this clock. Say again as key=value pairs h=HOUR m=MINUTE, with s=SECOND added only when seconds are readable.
h=10 m=45
